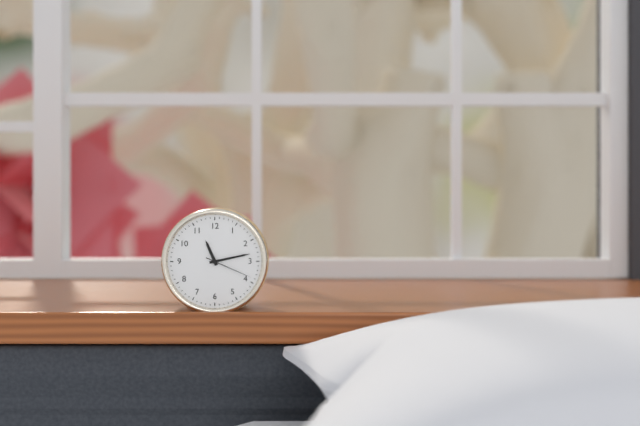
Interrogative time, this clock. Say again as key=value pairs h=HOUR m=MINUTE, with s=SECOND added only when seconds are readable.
h=11 m=13 s=19
